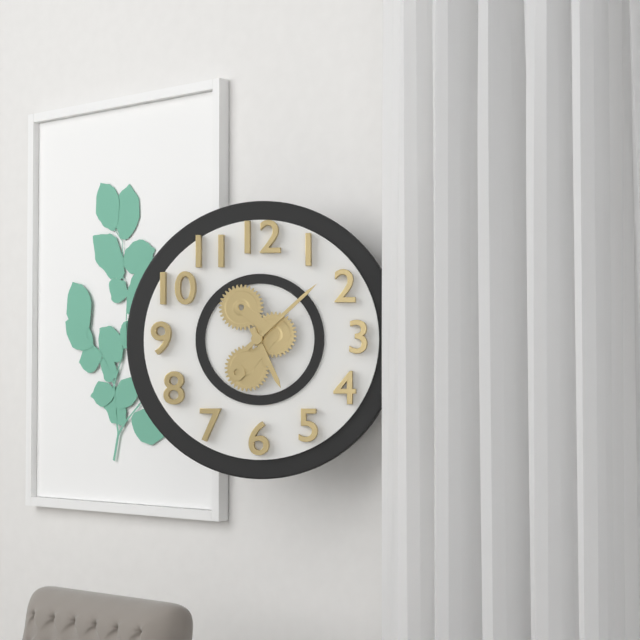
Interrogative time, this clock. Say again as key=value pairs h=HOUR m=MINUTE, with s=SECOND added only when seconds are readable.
h=5 m=8
